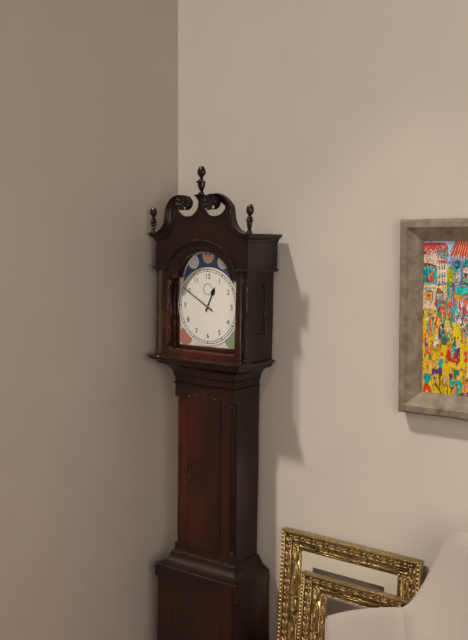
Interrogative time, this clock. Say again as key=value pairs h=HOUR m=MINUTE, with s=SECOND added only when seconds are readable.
h=12 m=50
